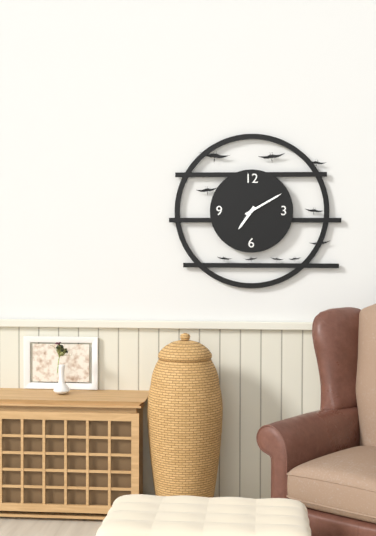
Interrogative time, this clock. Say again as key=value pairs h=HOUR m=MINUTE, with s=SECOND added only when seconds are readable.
h=7 m=10
